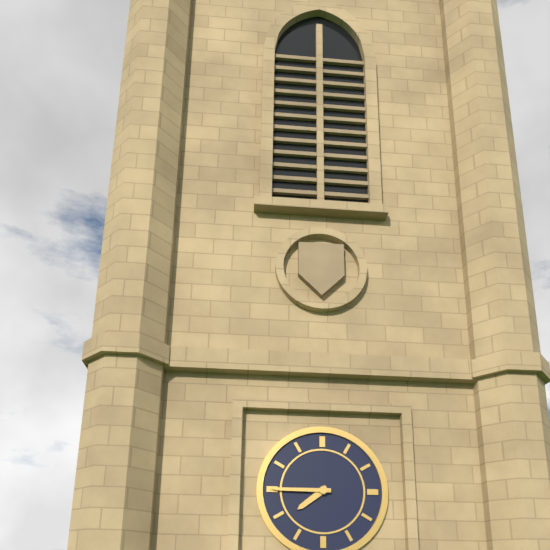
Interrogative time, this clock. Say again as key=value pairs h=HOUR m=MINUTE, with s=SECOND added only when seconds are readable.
h=7 m=45
